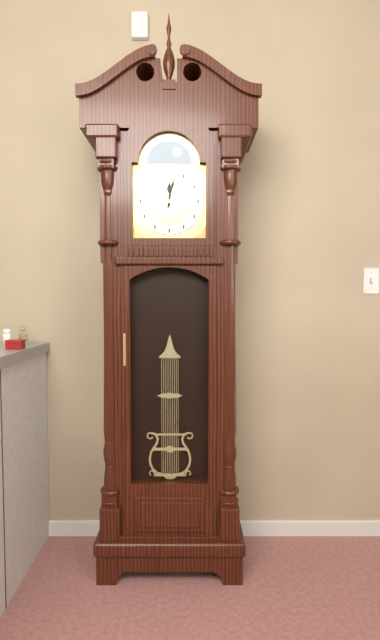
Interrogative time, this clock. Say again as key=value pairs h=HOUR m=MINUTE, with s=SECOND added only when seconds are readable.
h=12 m=2
